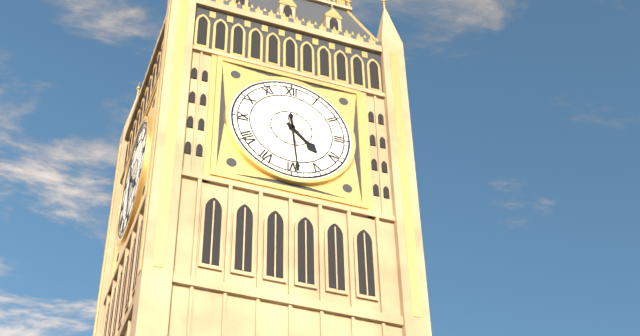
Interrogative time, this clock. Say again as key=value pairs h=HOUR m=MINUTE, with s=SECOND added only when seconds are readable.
h=4 m=29
